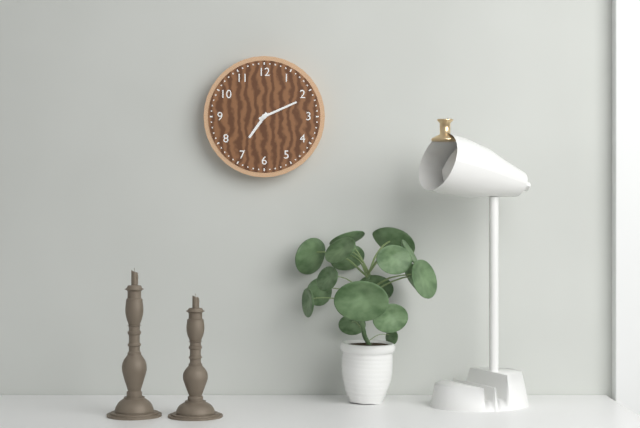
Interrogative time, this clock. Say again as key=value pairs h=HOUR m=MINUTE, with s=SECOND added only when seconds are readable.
h=7 m=11
